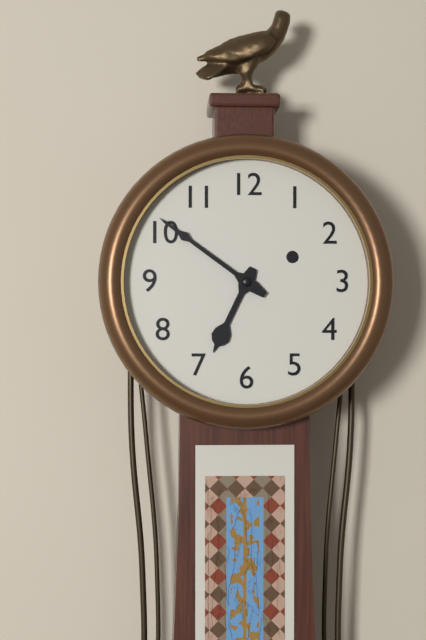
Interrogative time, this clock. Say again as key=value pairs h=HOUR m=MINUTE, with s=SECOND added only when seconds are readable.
h=6 m=51
